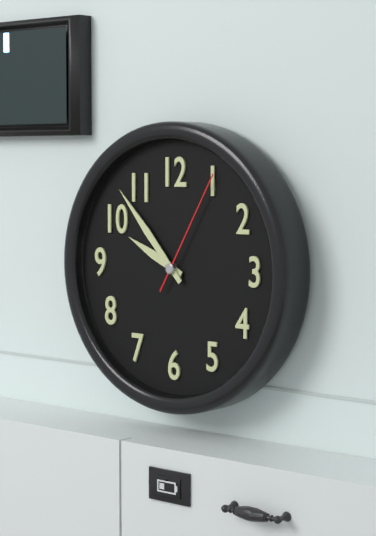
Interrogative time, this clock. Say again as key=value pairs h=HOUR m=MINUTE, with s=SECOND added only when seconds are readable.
h=9 m=53 s=5
